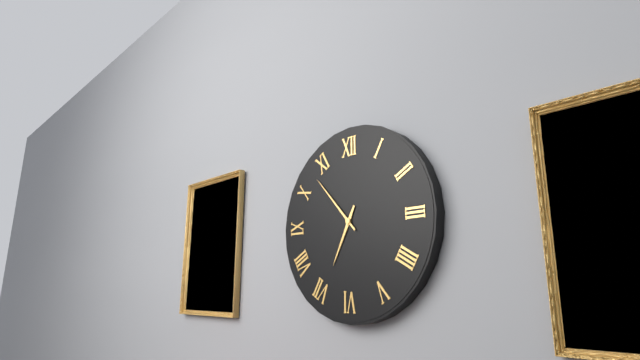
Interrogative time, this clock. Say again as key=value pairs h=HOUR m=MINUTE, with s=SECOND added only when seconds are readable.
h=6 m=53
